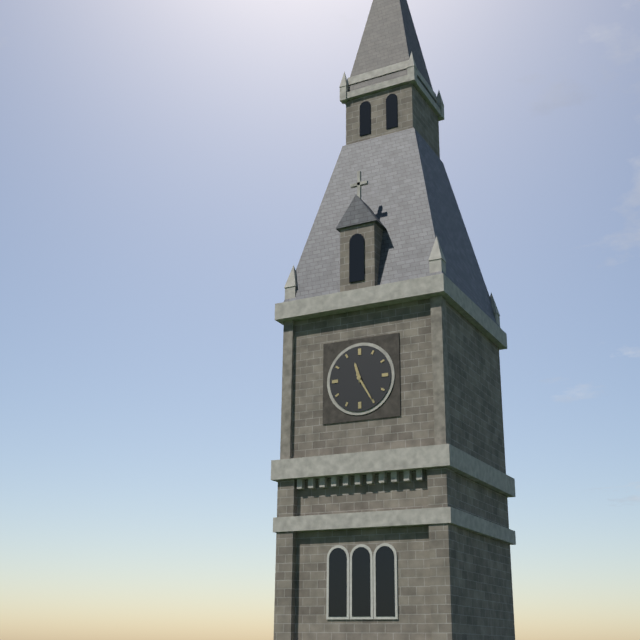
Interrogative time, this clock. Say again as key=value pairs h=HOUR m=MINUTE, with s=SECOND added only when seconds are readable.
h=11 m=25
